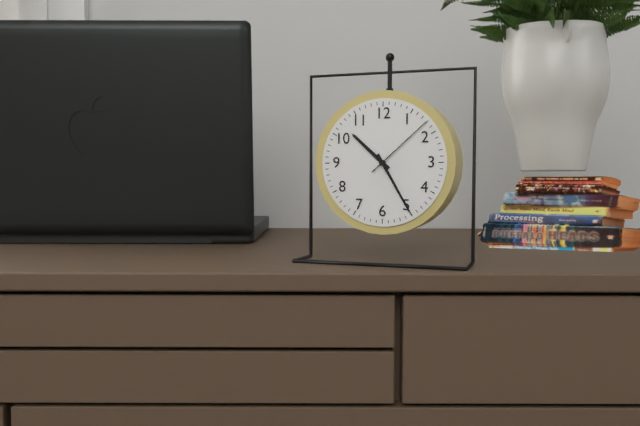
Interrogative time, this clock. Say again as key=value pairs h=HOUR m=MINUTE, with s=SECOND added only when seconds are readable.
h=10 m=25 s=8
